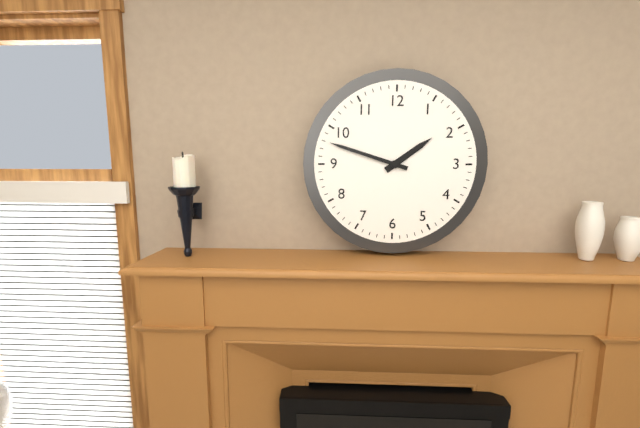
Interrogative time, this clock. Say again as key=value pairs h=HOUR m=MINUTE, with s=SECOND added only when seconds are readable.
h=1 m=48
